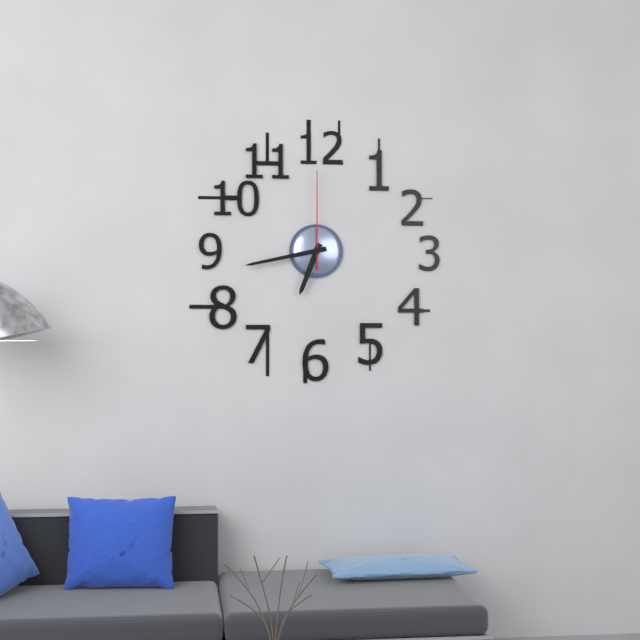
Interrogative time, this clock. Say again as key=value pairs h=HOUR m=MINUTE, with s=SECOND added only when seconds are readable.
h=6 m=43 s=0
